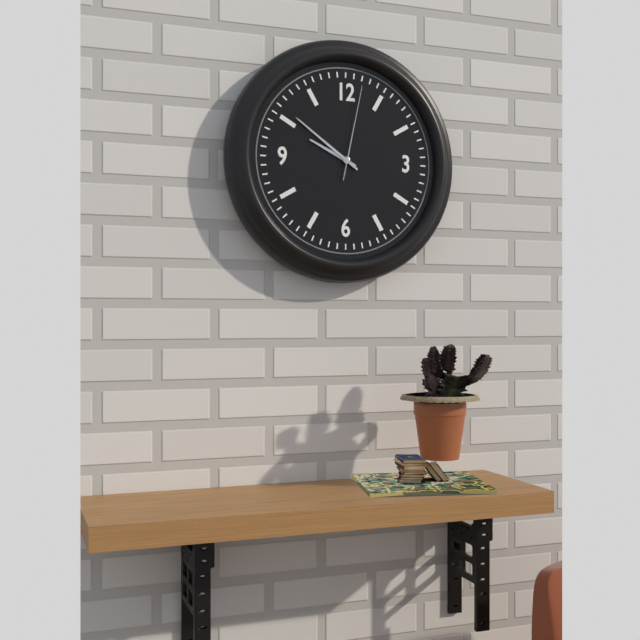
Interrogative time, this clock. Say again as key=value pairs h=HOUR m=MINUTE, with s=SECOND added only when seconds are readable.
h=9 m=51 s=2
